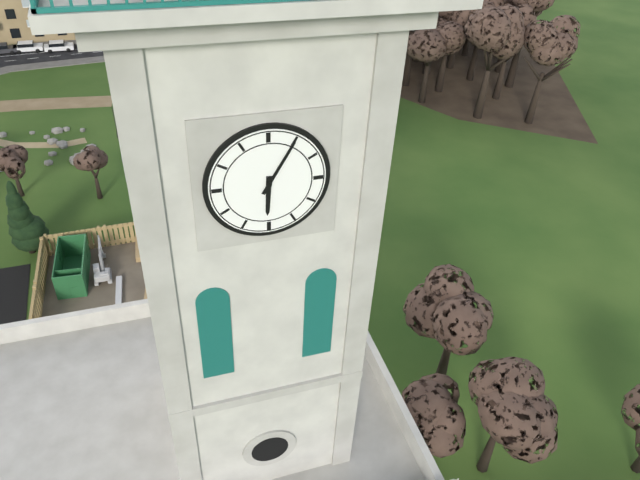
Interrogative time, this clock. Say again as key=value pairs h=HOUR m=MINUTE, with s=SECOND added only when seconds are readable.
h=6 m=5
